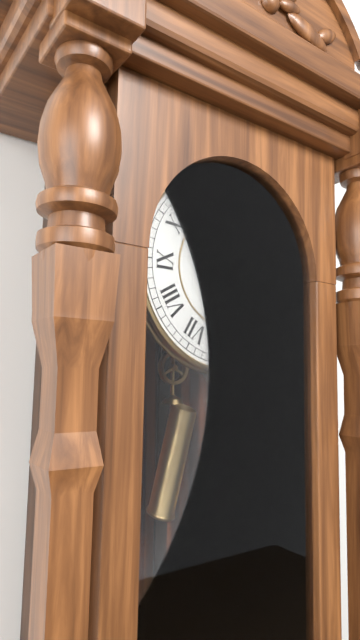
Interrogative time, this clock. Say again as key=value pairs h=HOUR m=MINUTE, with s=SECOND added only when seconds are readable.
h=2 m=22
